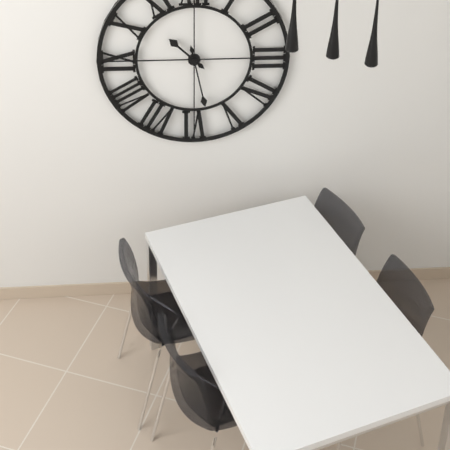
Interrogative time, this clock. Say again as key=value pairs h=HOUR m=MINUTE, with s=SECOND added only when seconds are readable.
h=10 m=28
